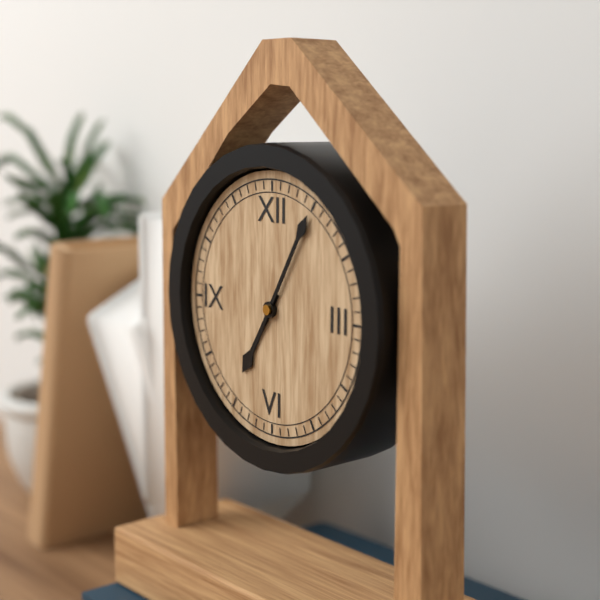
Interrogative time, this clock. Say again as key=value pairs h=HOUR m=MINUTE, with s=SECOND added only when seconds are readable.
h=7 m=5
